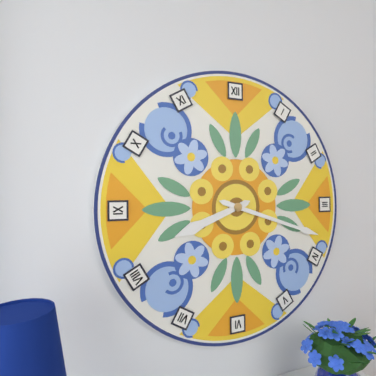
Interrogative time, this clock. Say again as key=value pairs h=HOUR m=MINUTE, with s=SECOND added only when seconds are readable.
h=8 m=18
